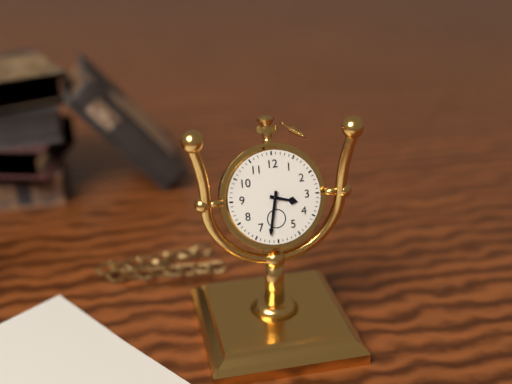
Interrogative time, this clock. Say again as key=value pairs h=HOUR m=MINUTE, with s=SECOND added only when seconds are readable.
h=3 m=32
